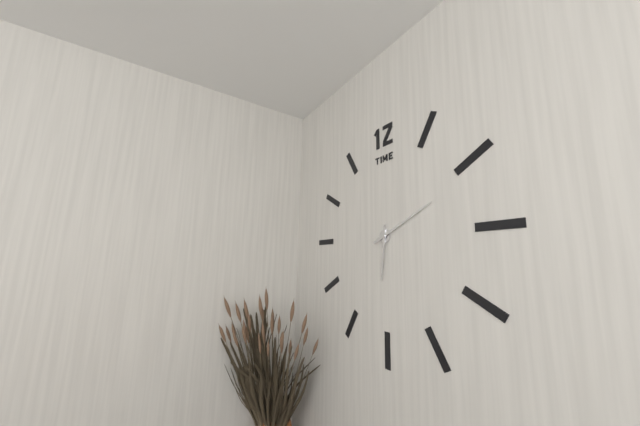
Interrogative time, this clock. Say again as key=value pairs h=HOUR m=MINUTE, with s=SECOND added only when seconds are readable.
h=6 m=11
